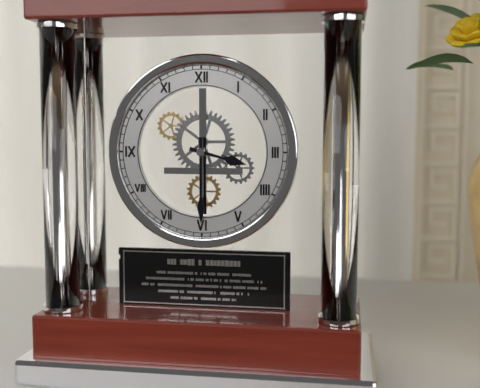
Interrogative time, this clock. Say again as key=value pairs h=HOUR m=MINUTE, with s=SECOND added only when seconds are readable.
h=3 m=30
